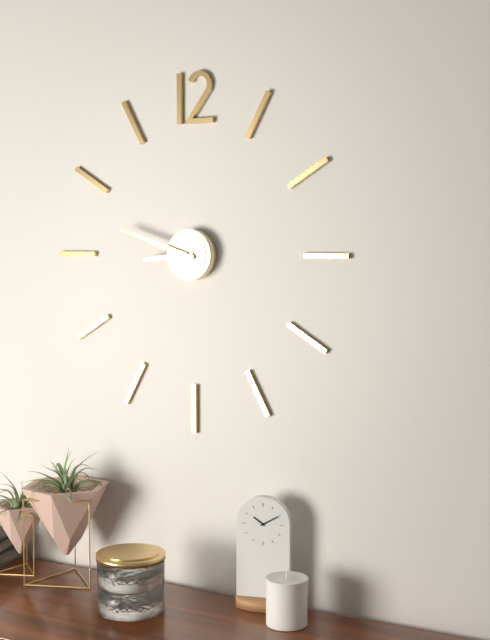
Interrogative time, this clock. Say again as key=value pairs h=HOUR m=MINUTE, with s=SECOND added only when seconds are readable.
h=8 m=48
